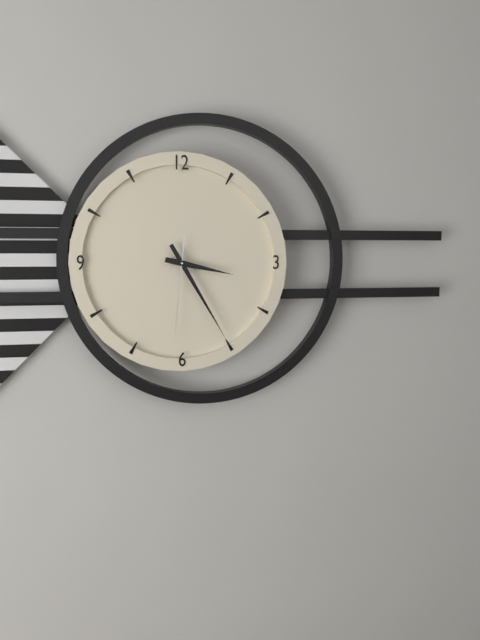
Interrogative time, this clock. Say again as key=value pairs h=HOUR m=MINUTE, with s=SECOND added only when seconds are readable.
h=3 m=25 s=31
